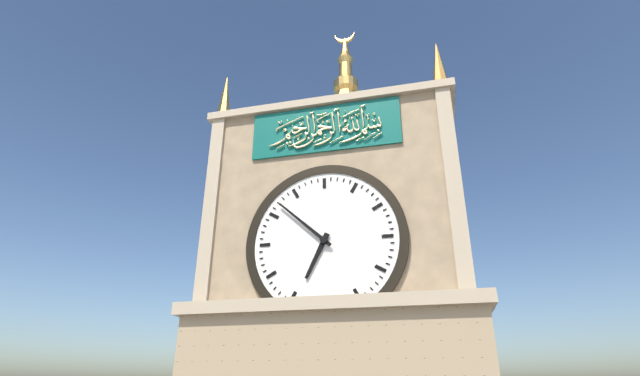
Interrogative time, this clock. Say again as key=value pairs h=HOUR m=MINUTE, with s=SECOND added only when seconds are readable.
h=6 m=52
